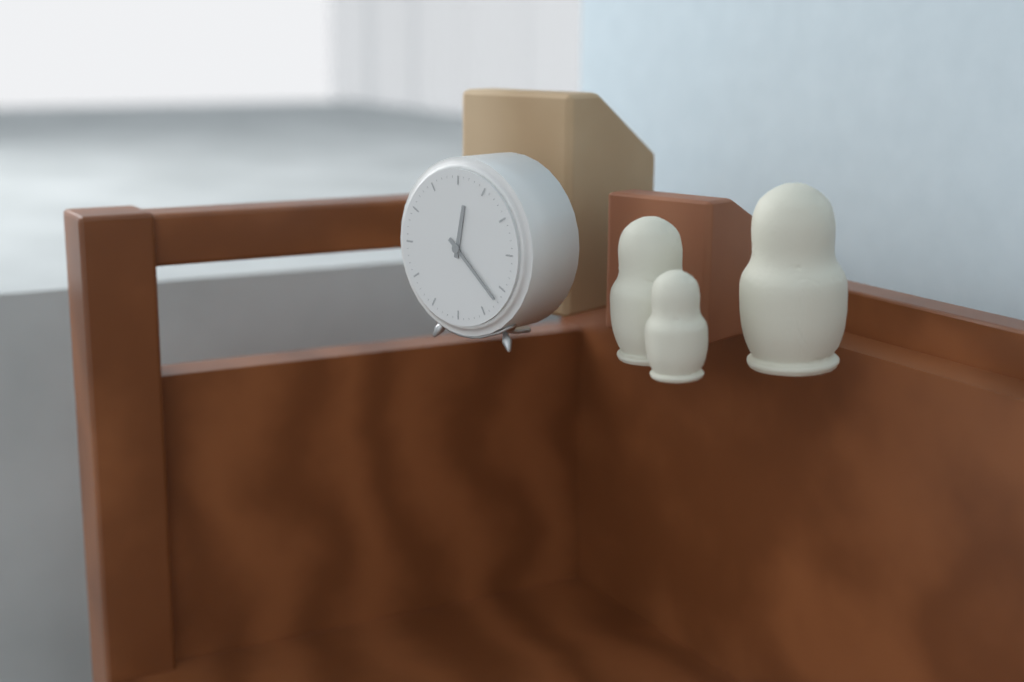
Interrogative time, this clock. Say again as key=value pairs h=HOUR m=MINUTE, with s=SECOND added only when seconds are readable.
h=12 m=22
